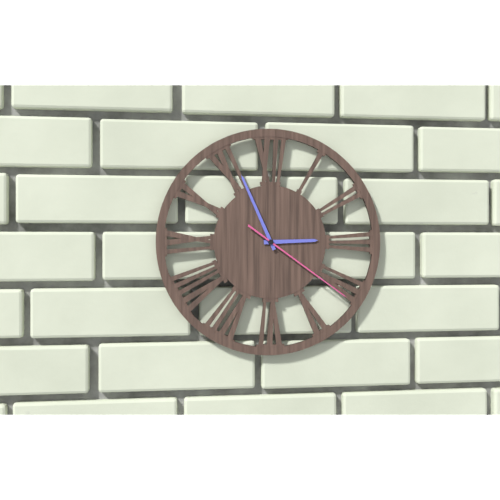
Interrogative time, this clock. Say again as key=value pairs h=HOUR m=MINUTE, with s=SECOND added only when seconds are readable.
h=2 m=56 s=21
